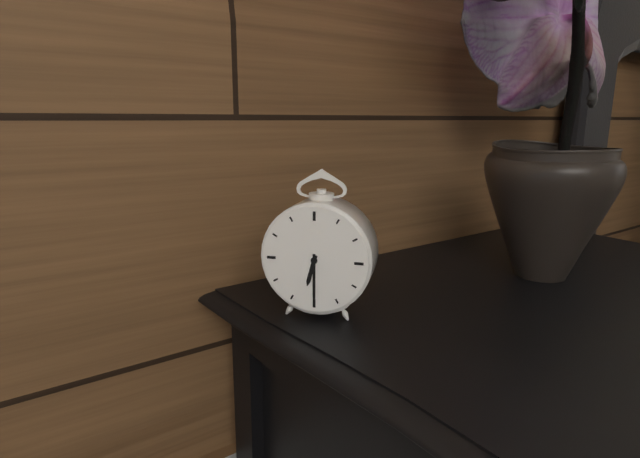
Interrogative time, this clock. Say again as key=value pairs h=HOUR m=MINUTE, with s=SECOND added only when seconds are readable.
h=6 m=30
